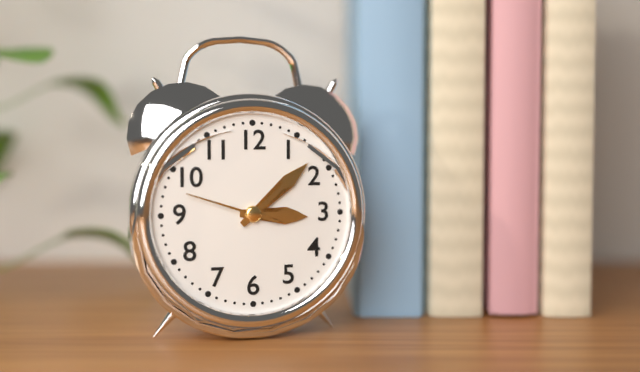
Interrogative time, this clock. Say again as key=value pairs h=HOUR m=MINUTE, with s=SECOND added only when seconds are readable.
h=3 m=8 s=48
